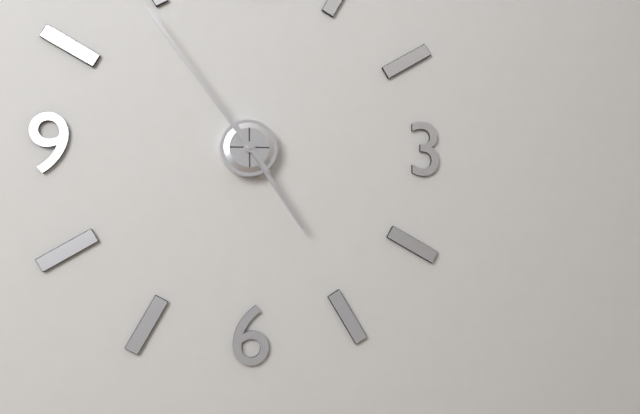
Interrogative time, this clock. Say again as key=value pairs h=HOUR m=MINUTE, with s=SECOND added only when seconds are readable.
h=4 m=54
